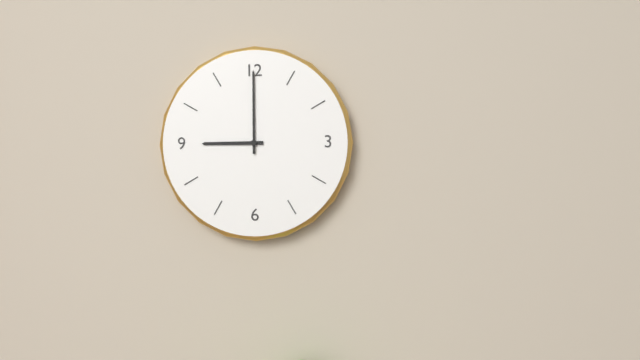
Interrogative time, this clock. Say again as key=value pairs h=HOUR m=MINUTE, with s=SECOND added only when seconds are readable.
h=9 m=0
